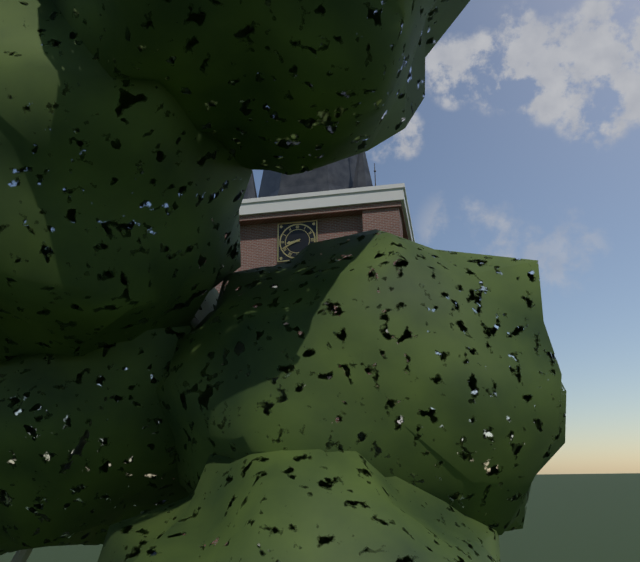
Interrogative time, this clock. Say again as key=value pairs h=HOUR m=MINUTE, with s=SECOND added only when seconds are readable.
h=8 m=41
